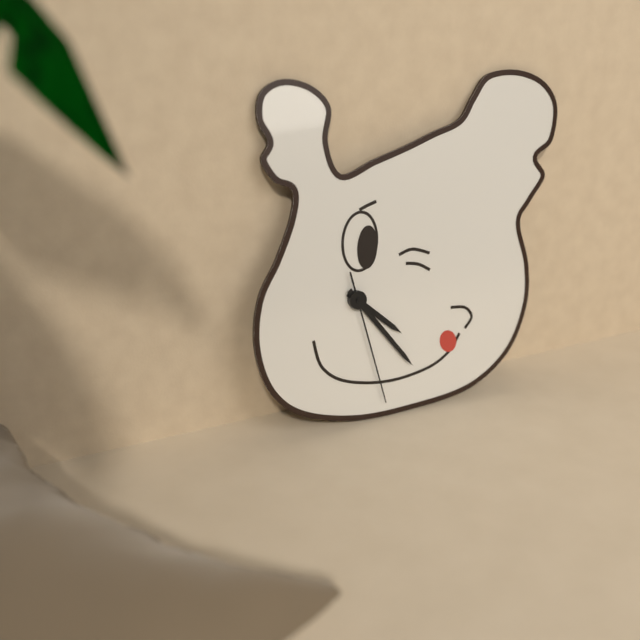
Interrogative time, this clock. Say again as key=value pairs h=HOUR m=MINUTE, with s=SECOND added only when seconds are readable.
h=4 m=24 s=28
